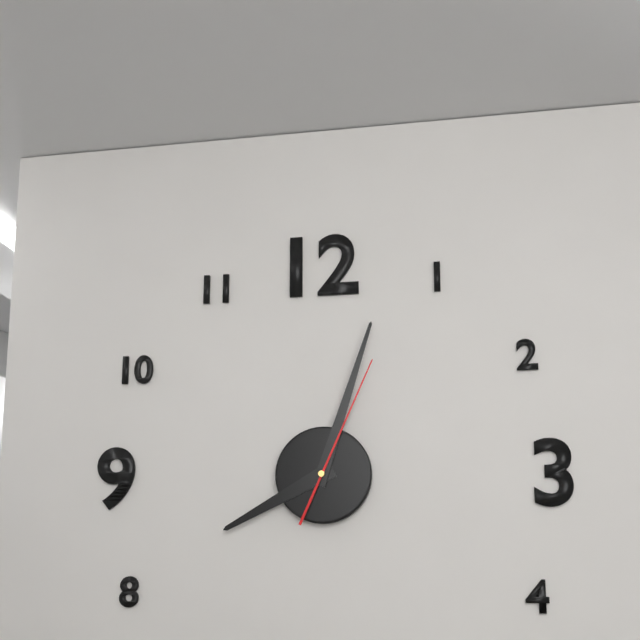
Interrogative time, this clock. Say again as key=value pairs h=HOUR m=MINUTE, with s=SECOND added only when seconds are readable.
h=8 m=3 s=4
